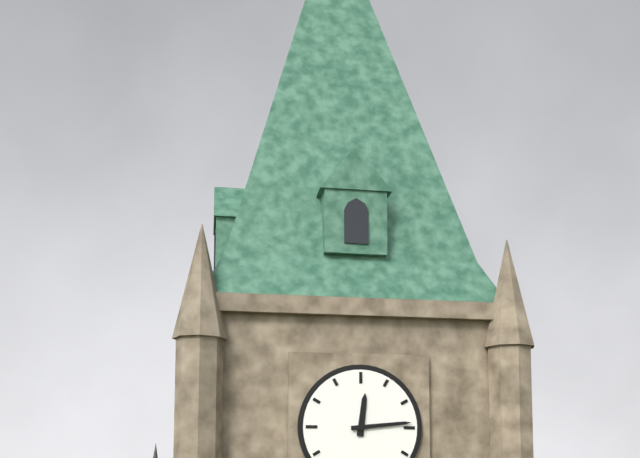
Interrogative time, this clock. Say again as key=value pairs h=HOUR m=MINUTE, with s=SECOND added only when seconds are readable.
h=12 m=14
